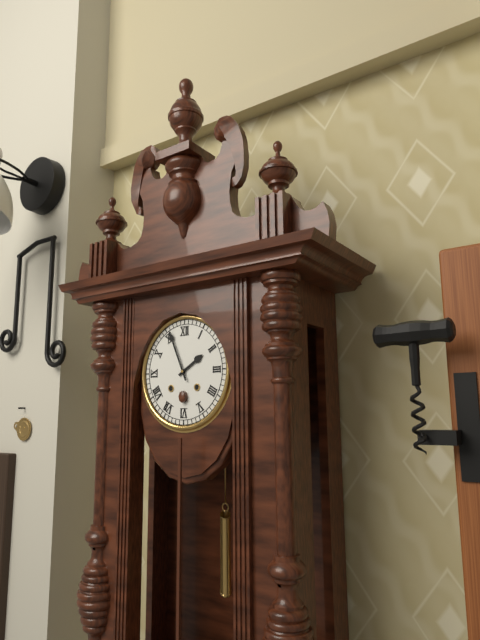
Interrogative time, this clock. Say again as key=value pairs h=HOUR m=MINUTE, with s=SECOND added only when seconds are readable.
h=1 m=56
